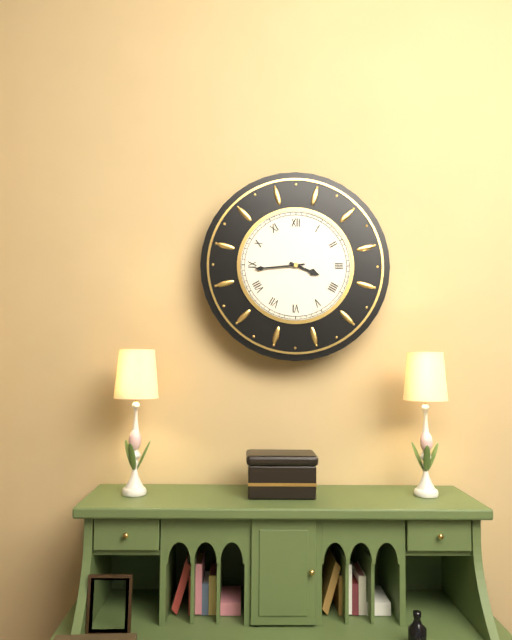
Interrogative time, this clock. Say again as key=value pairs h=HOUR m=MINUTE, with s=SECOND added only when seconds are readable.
h=3 m=44
